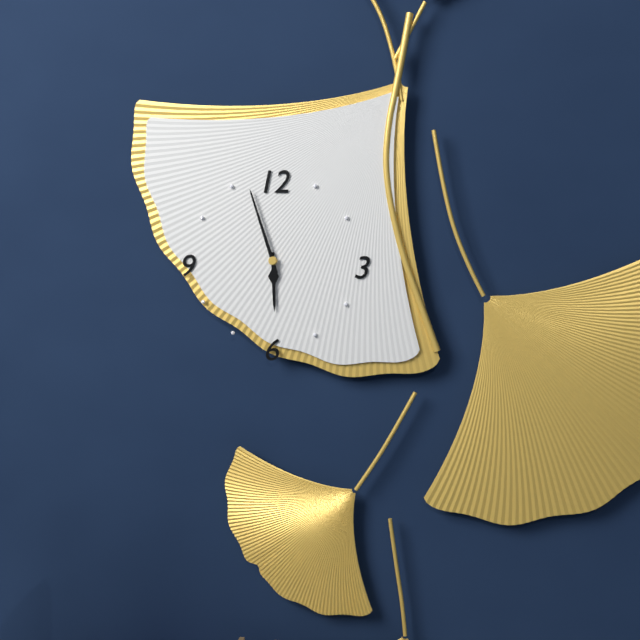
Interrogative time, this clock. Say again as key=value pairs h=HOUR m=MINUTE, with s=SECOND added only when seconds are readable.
h=5 m=57
